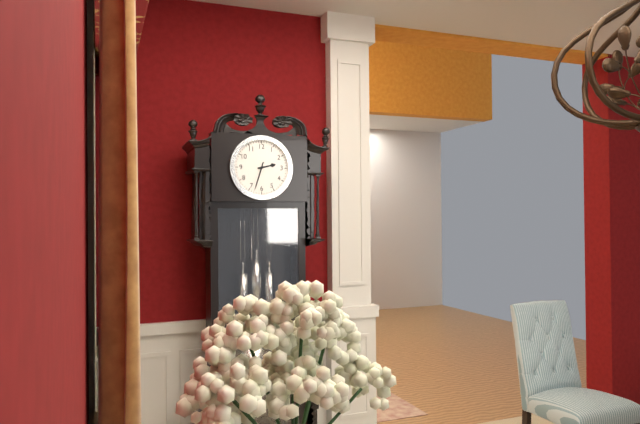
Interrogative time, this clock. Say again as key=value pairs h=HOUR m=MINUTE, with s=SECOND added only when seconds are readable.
h=2 m=33
